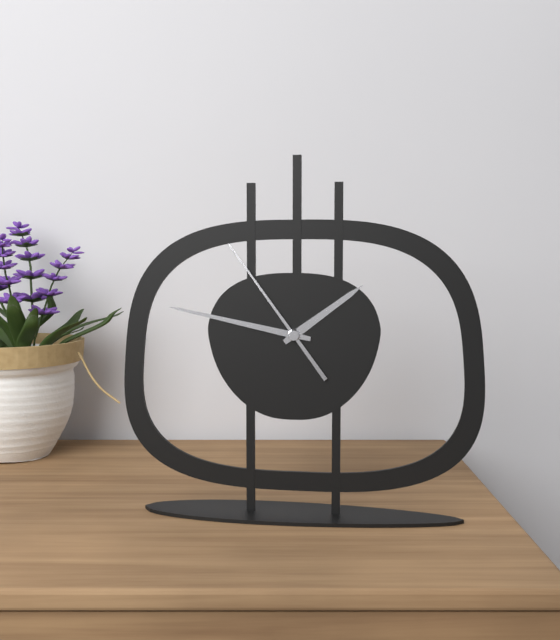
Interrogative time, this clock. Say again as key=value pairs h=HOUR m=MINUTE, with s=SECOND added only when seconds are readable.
h=1 m=47 s=54
